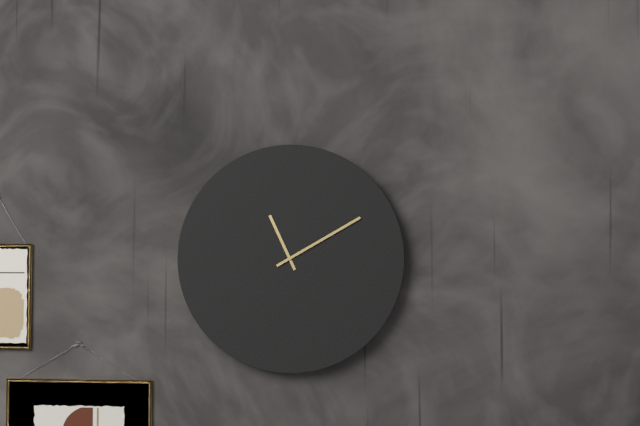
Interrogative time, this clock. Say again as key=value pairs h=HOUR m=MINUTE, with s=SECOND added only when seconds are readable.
h=11 m=10
